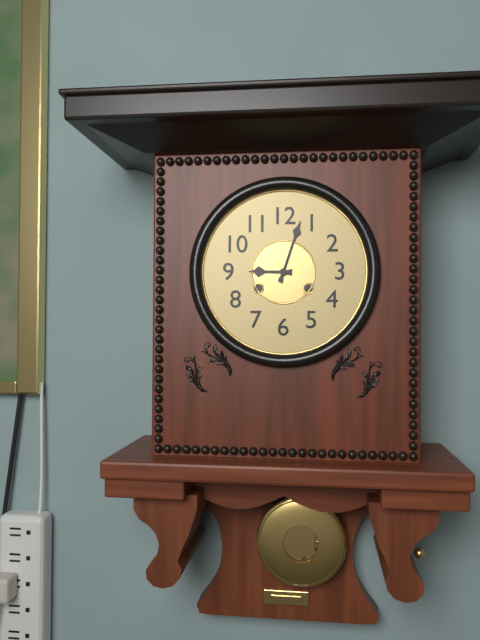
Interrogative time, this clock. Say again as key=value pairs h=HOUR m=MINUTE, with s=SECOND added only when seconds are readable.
h=9 m=3
